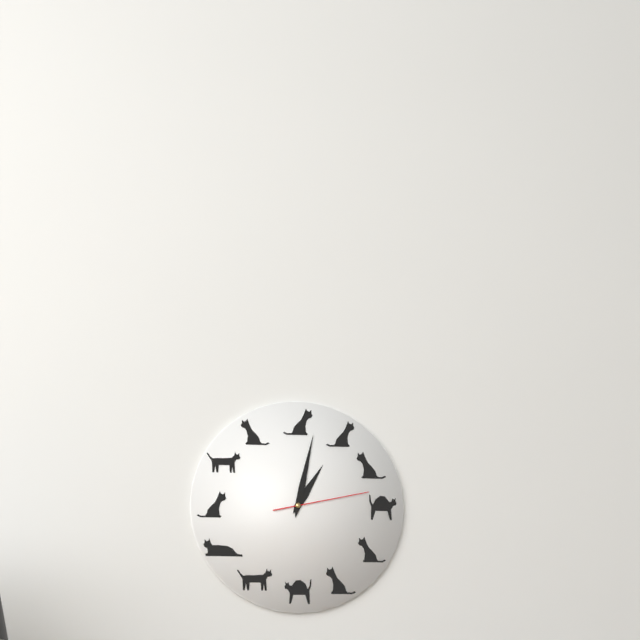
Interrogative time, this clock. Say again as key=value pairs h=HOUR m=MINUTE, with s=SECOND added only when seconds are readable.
h=1 m=2 s=13
